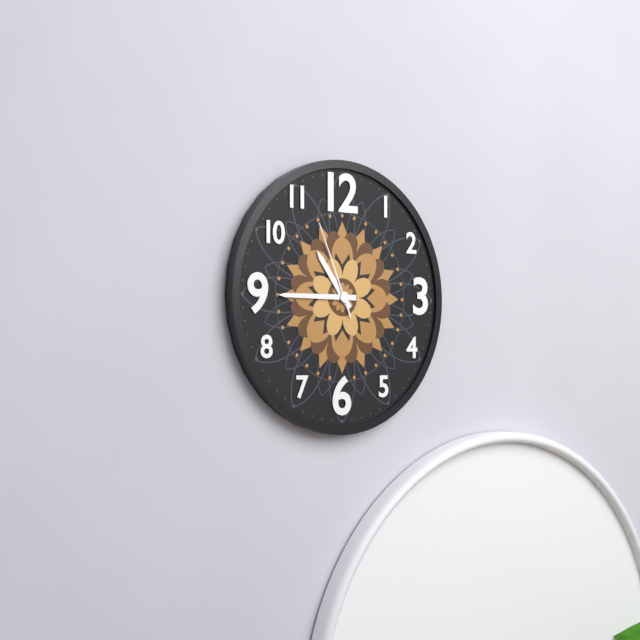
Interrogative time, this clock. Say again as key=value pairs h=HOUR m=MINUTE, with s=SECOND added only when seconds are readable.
h=10 m=45 s=56
